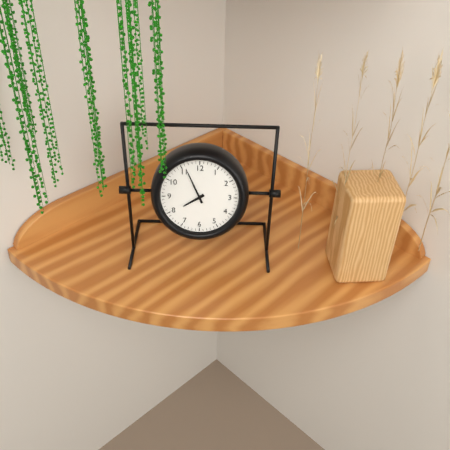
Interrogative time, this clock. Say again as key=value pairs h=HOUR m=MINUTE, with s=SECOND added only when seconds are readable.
h=7 m=56
